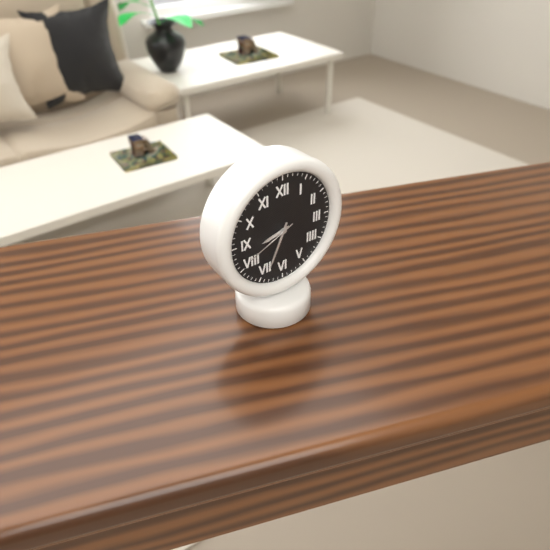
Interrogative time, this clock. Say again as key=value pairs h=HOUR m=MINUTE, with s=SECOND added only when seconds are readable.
h=8 m=34 s=41
